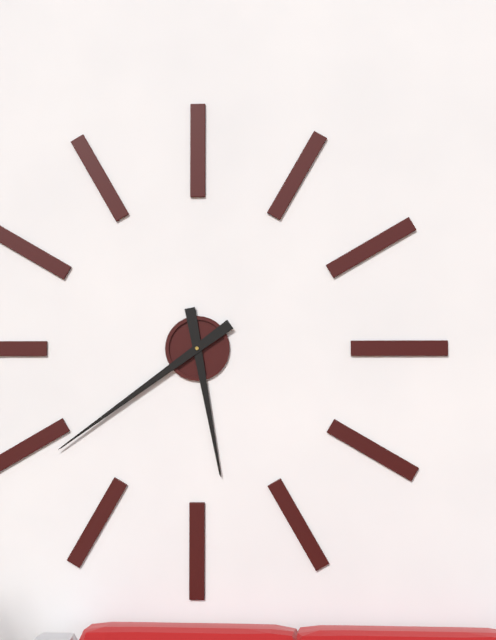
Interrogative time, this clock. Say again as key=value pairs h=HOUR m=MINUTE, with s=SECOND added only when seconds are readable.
h=5 m=39
